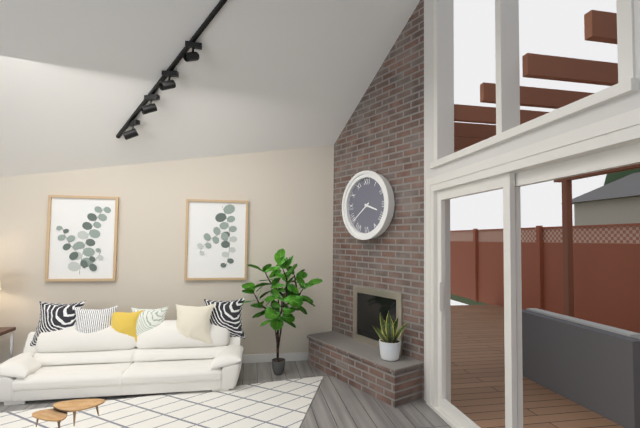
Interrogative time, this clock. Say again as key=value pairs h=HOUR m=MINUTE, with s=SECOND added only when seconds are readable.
h=3 m=39
